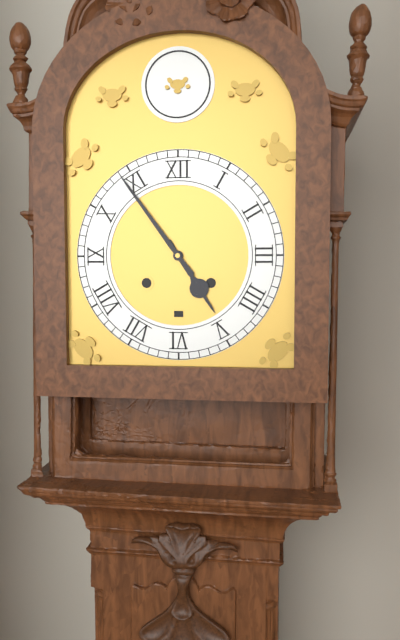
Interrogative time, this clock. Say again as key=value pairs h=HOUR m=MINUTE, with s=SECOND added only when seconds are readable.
h=4 m=54
